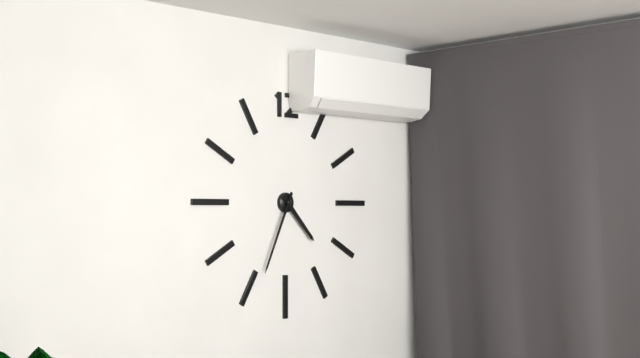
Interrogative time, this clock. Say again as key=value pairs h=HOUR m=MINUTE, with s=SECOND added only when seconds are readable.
h=4 m=34
